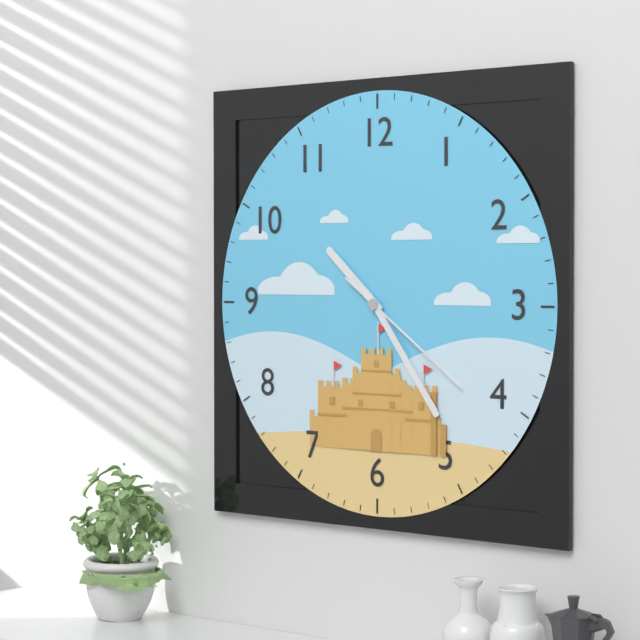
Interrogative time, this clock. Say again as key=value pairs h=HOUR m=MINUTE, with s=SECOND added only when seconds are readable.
h=10 m=24 s=21
